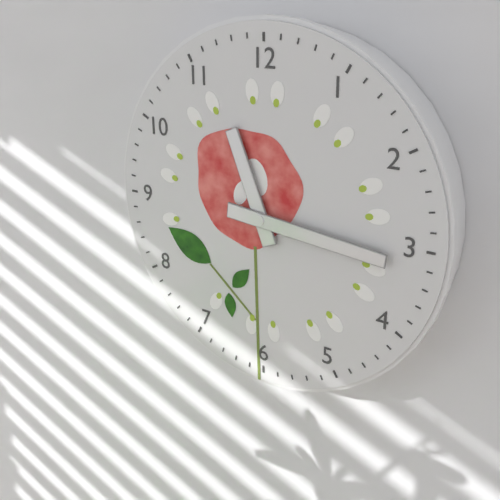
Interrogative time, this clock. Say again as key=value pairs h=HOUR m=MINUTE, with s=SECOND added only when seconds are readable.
h=11 m=16
